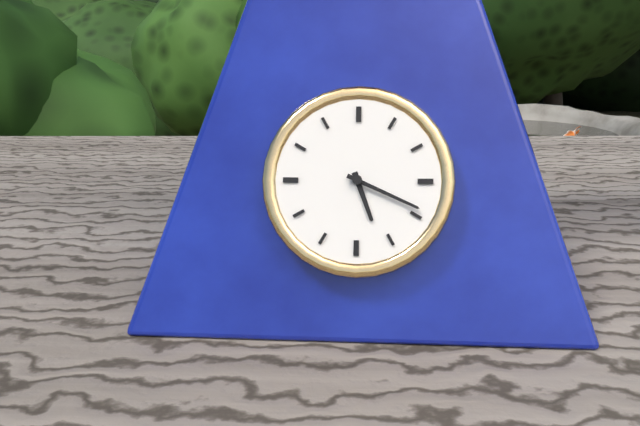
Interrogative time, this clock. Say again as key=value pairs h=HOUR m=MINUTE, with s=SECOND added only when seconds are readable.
h=5 m=19
